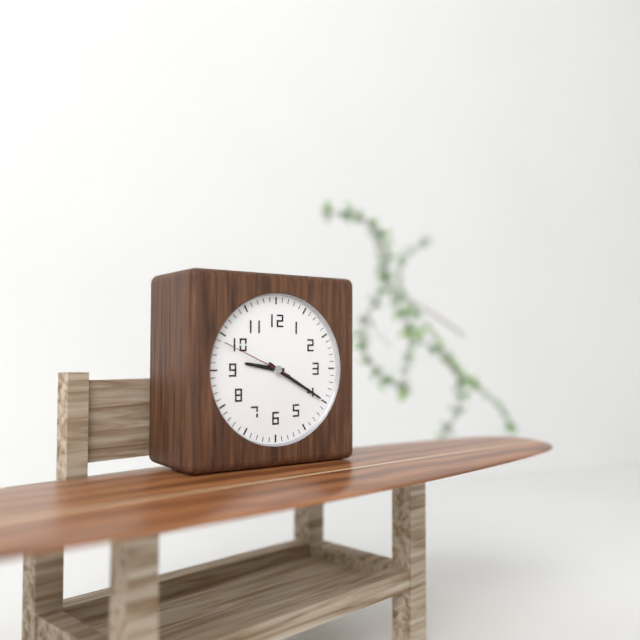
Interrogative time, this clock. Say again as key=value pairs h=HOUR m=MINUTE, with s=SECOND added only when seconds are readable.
h=9 m=20 s=49
